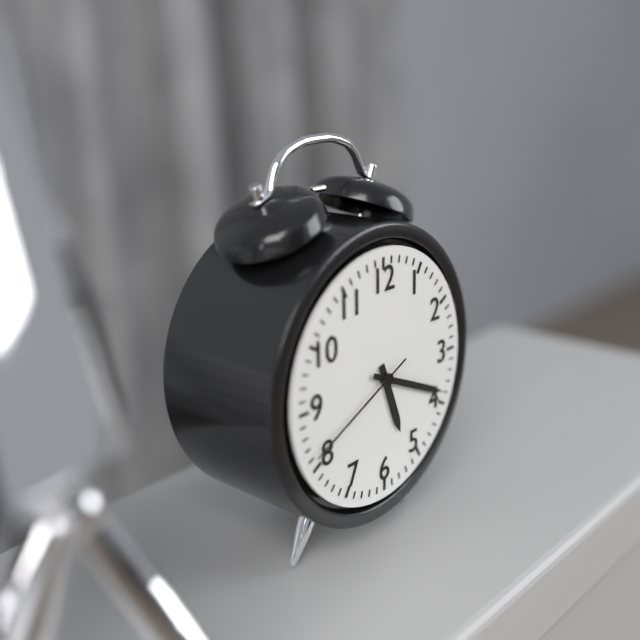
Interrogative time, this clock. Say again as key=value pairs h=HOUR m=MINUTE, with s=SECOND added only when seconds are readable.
h=5 m=19 s=41
